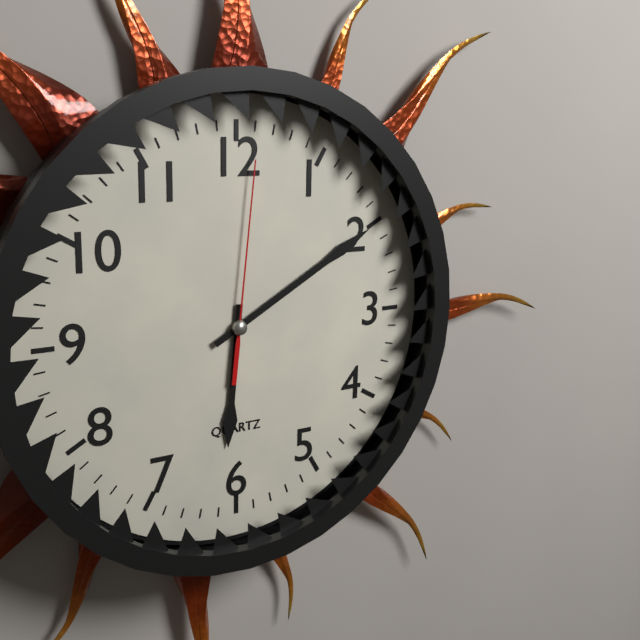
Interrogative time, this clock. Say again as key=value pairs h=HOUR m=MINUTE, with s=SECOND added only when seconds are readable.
h=6 m=10 s=1
